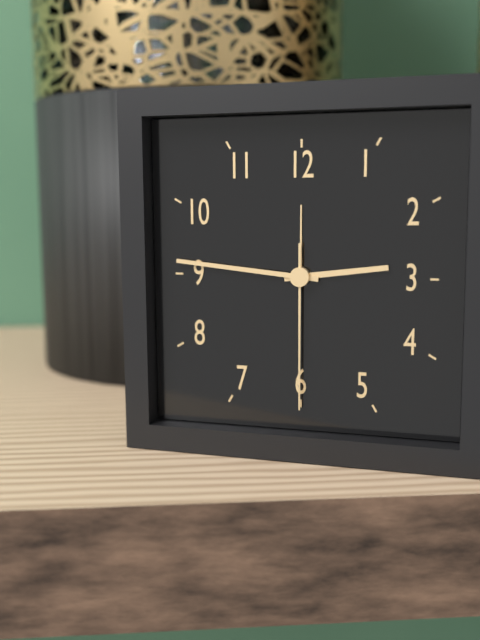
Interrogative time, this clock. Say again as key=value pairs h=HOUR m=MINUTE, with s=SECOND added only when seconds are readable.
h=2 m=46 s=30
